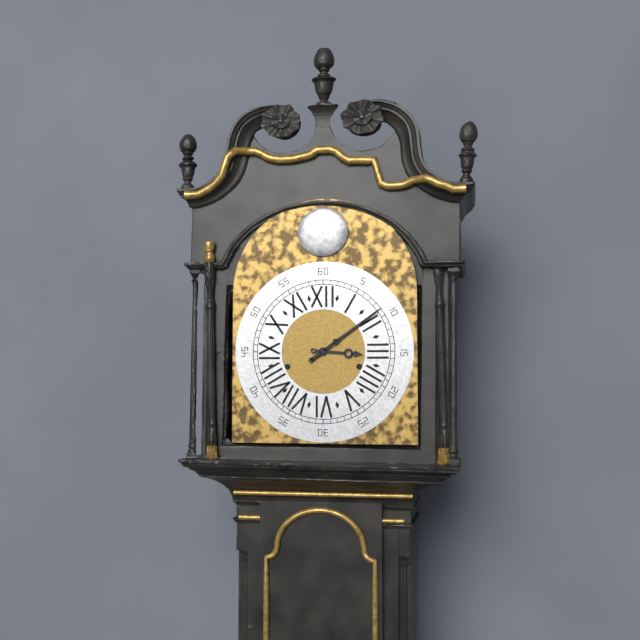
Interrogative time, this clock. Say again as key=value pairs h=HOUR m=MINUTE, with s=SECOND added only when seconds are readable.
h=3 m=9
